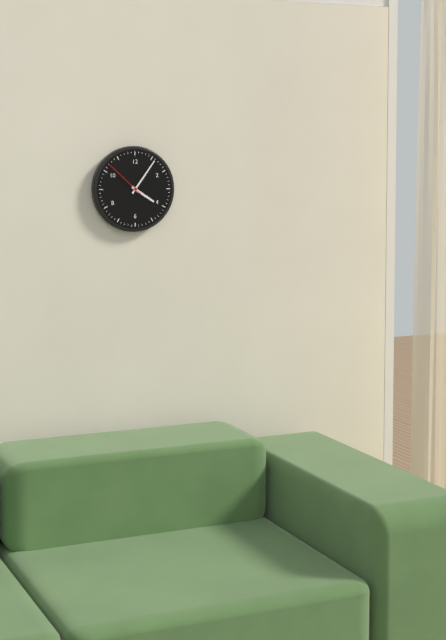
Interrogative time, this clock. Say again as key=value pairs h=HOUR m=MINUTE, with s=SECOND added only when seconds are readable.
h=4 m=6
